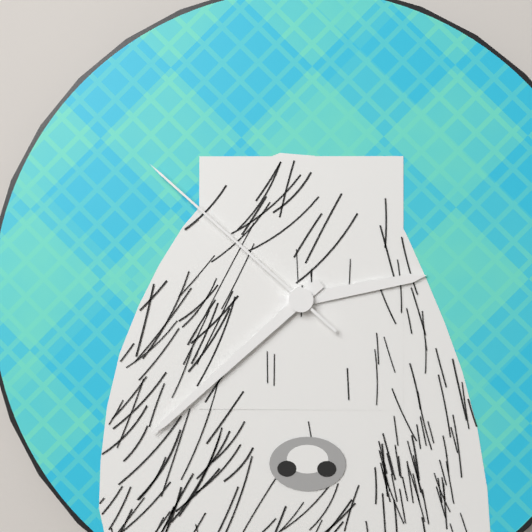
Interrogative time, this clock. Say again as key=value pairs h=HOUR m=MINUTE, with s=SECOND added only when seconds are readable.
h=2 m=38 s=52
